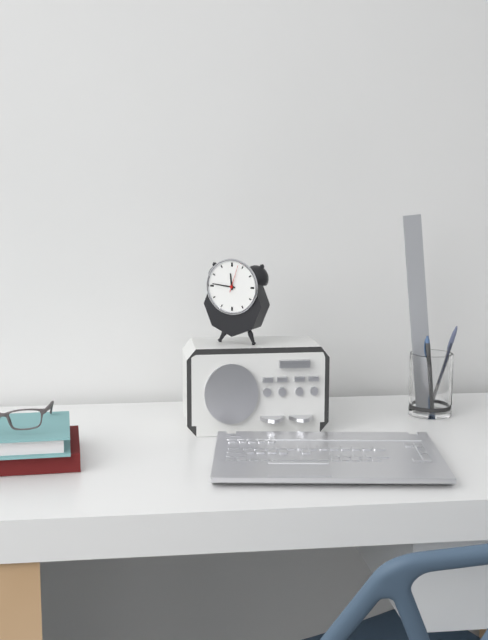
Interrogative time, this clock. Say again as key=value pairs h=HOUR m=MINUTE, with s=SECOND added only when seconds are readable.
h=11 m=46
